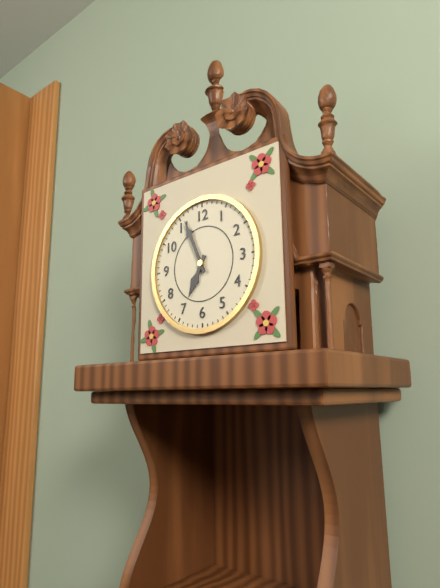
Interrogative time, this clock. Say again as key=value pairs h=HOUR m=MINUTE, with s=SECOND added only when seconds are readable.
h=6 m=56
